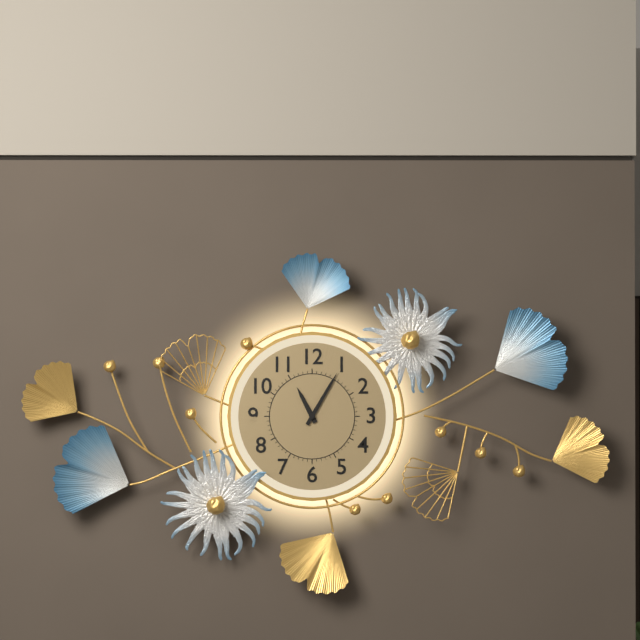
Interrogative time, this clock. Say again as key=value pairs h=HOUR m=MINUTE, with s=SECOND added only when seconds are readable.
h=11 m=5
